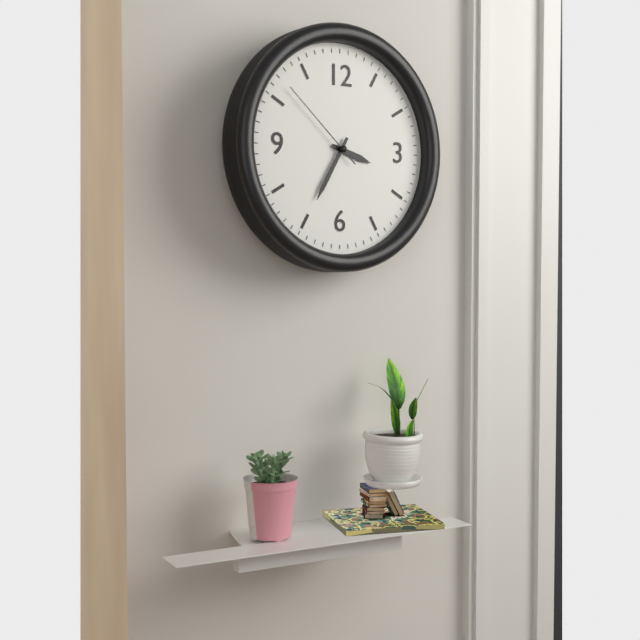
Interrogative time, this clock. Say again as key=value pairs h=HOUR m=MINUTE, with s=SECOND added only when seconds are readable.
h=3 m=35 s=52
